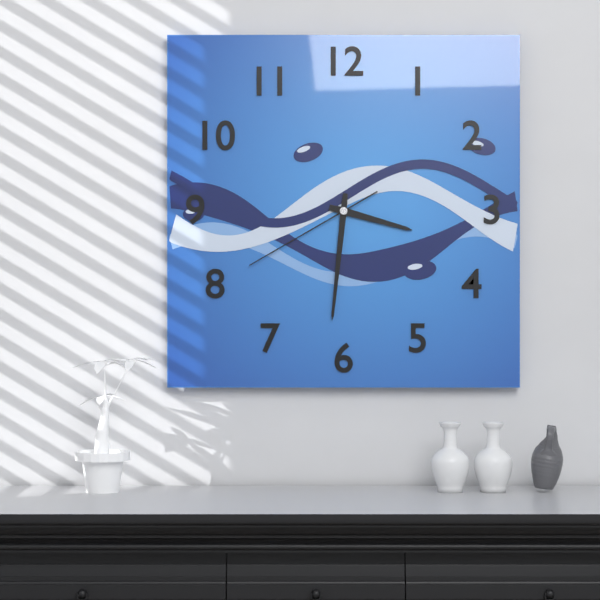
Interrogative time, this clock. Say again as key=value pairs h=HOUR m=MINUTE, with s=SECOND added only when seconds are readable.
h=3 m=31 s=40
